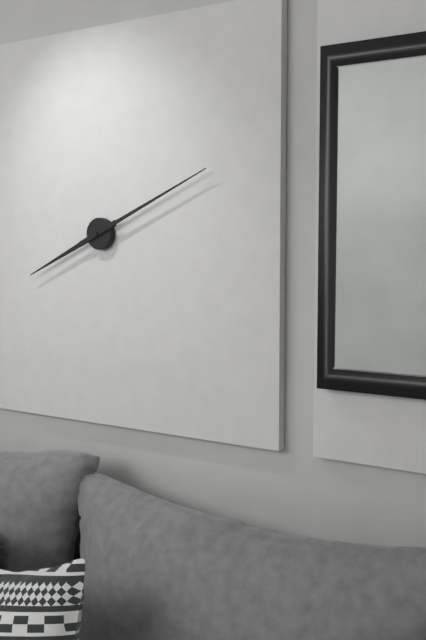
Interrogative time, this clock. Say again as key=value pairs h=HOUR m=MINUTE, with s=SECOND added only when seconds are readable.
h=8 m=11
